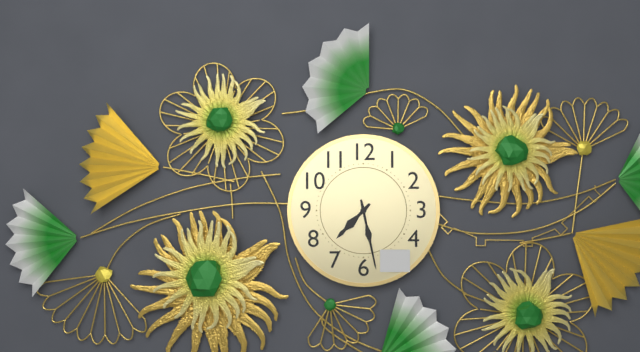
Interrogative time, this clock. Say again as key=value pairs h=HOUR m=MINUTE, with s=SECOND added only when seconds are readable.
h=7 m=28
